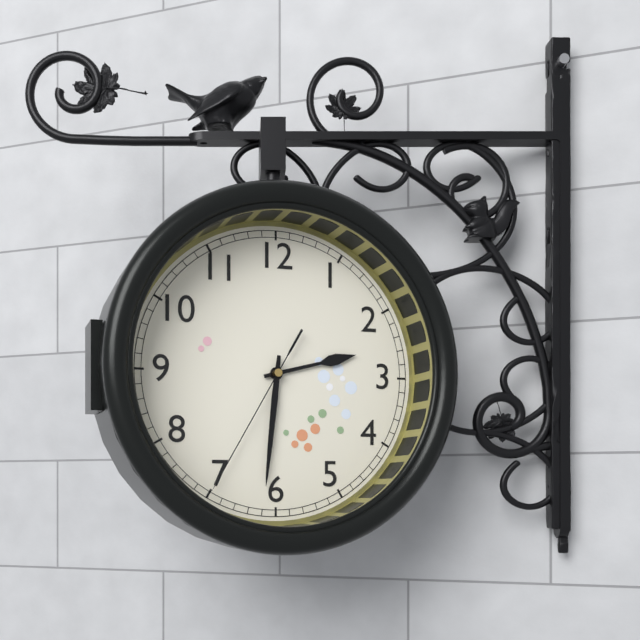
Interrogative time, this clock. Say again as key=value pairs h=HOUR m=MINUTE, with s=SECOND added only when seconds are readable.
h=2 m=31 s=35
